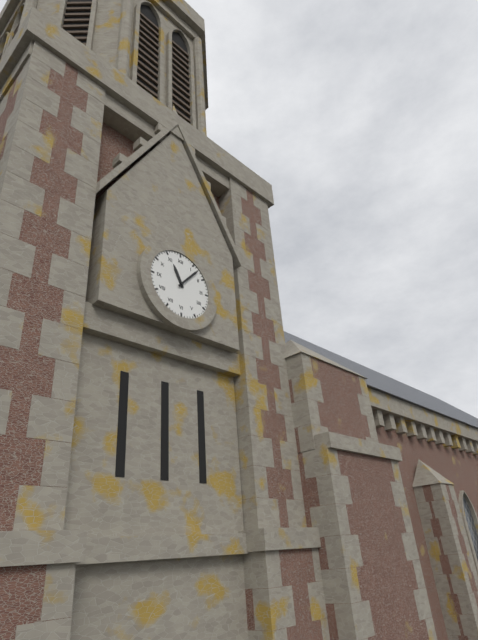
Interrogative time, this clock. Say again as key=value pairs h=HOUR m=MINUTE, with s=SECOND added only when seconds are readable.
h=11 m=7
